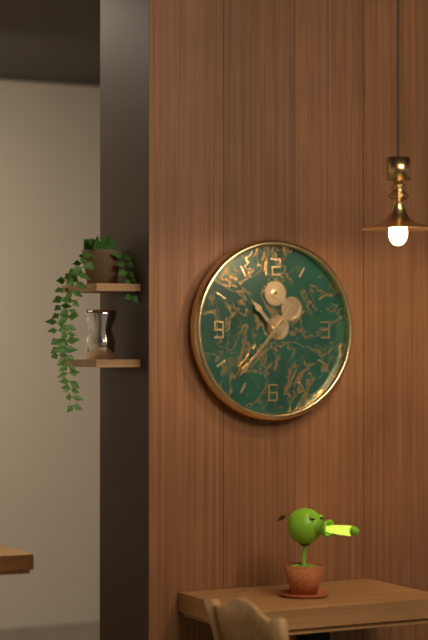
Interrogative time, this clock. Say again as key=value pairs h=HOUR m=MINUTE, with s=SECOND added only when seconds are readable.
h=10 m=37
